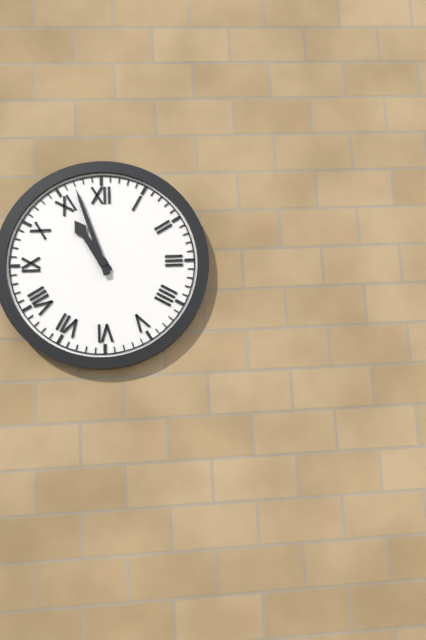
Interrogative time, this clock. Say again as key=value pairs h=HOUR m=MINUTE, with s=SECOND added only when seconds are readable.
h=10 m=57
